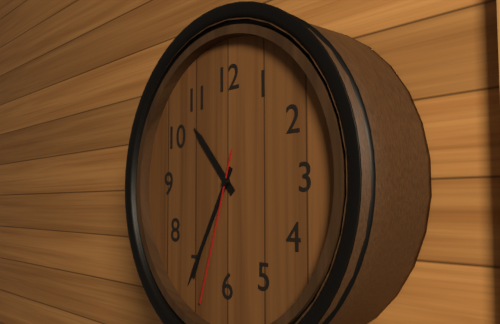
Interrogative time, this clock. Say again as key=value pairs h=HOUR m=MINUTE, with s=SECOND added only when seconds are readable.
h=10 m=35 s=33
